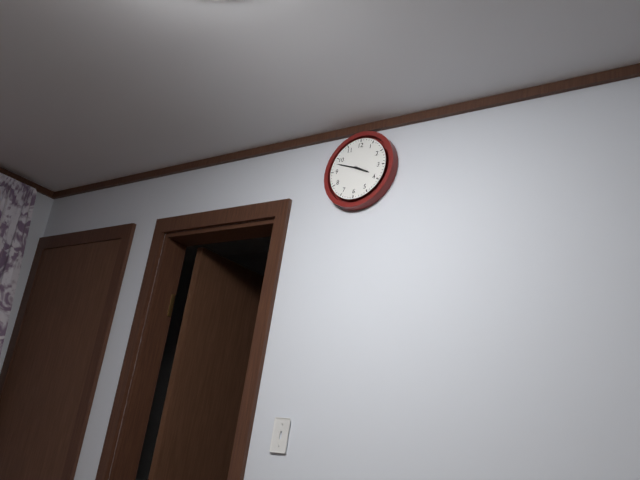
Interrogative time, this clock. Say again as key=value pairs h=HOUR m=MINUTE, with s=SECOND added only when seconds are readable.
h=3 m=48
